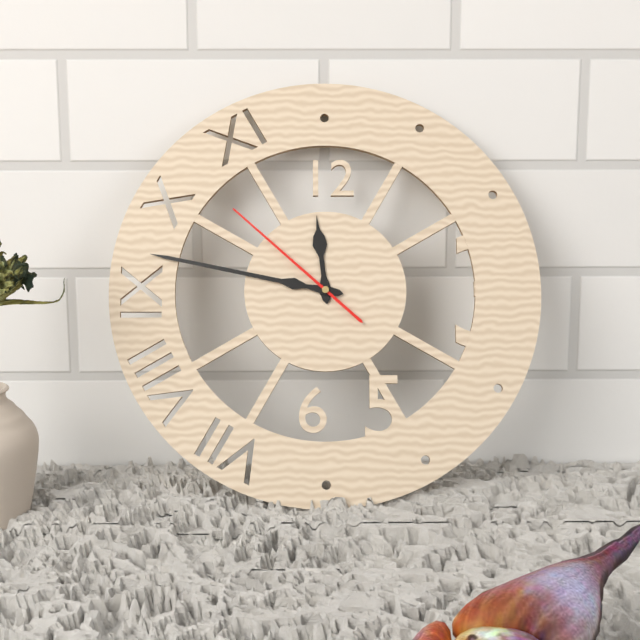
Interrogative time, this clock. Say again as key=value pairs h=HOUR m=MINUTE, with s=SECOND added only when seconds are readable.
h=11 m=47 s=52
